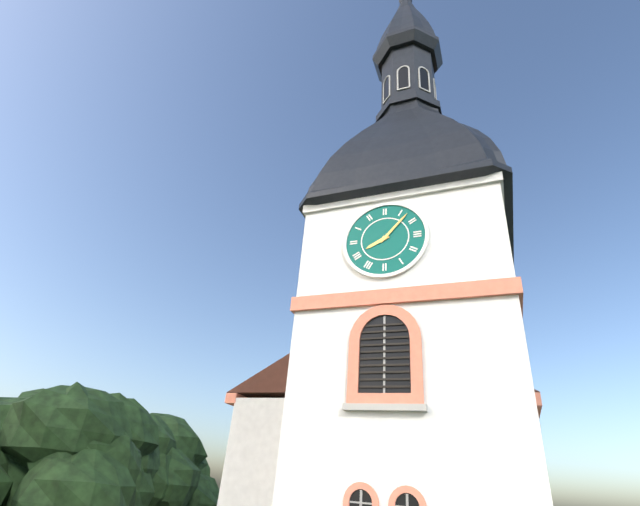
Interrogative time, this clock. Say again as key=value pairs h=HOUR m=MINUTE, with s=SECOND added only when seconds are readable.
h=8 m=7
